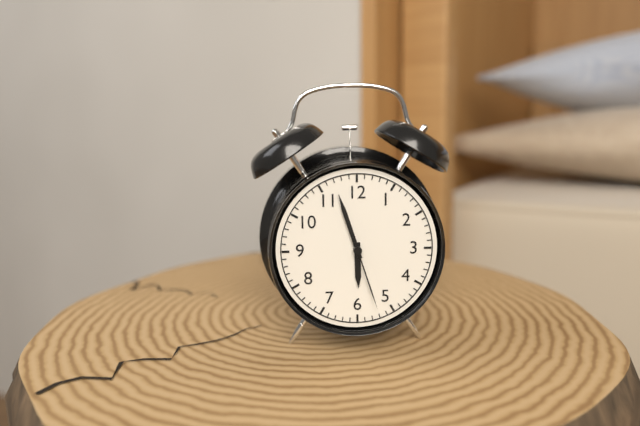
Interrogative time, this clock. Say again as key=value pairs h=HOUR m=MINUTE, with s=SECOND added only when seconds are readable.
h=5 m=57 s=27
